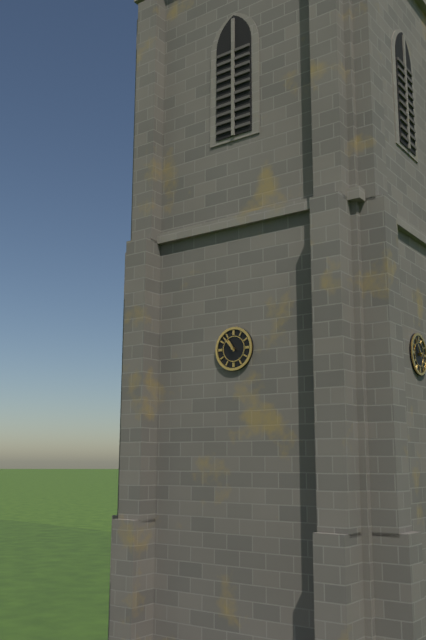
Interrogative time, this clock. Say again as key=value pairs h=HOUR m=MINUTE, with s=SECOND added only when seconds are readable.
h=10 m=53
